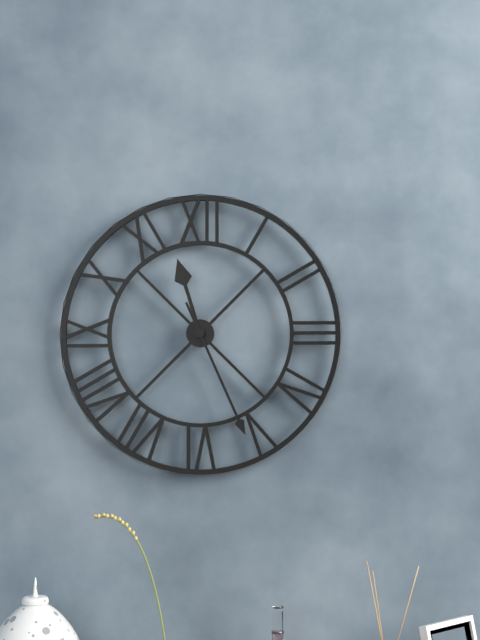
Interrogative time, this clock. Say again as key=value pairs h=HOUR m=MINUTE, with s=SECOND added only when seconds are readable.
h=11 m=26
